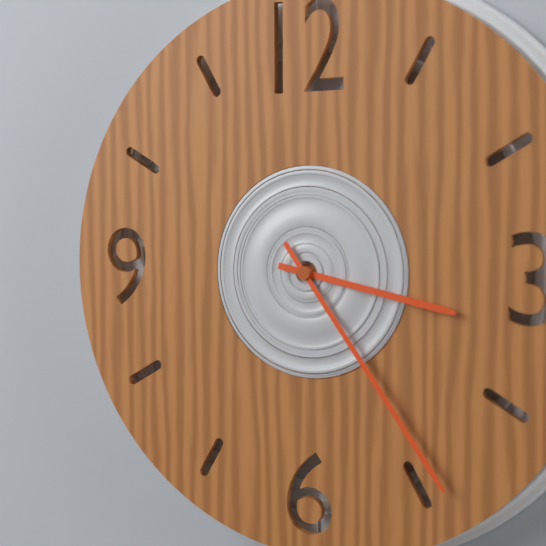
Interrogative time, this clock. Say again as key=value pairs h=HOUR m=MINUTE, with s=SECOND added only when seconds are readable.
h=3 m=24
